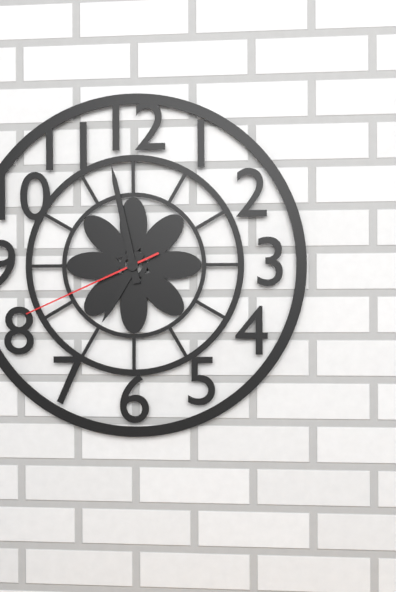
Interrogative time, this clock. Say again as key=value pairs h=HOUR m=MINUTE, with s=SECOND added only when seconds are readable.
h=6 m=58 s=41
